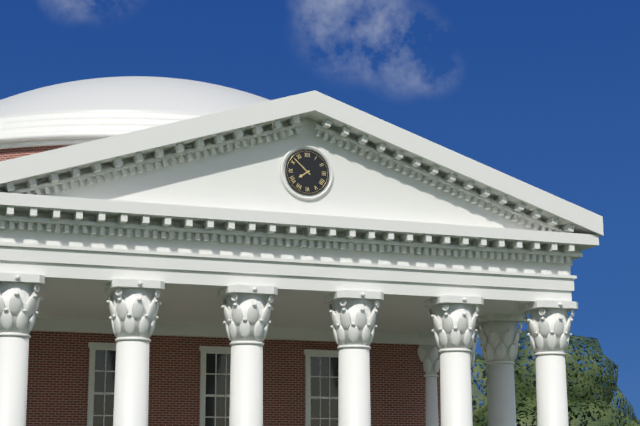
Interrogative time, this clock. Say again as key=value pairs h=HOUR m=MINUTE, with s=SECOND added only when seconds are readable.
h=7 m=52
